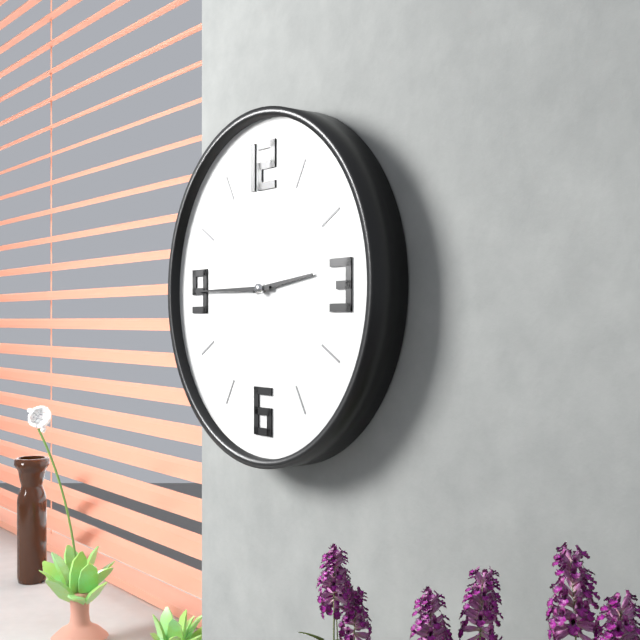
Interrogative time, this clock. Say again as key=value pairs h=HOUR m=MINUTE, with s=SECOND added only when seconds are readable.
h=2 m=45
